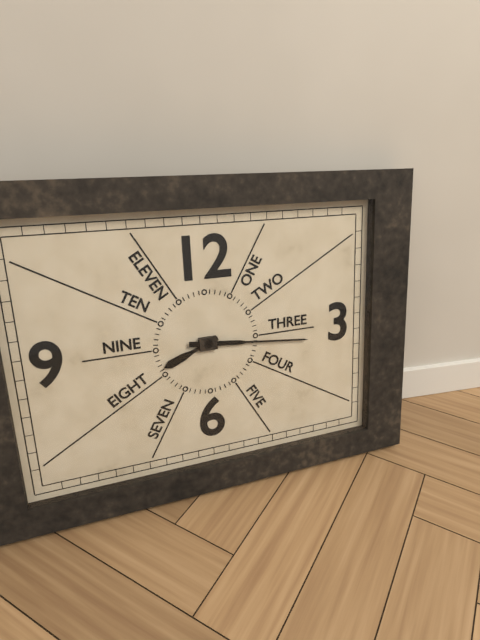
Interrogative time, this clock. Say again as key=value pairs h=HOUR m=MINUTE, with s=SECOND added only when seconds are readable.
h=8 m=16
